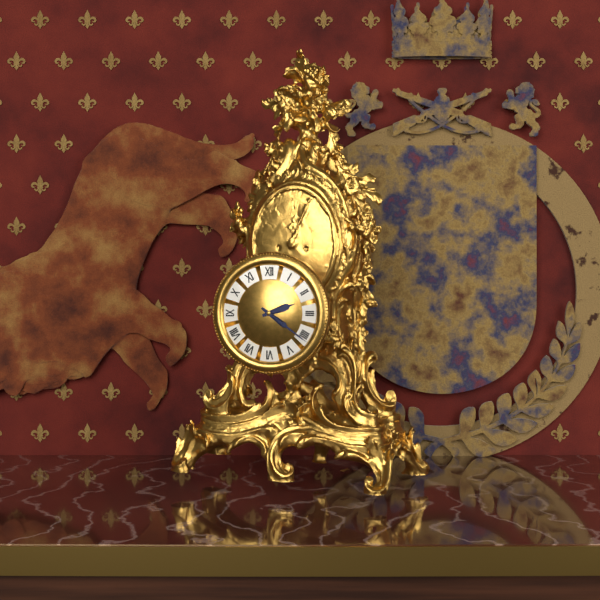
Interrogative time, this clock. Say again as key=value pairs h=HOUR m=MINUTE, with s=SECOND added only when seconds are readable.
h=2 m=21
